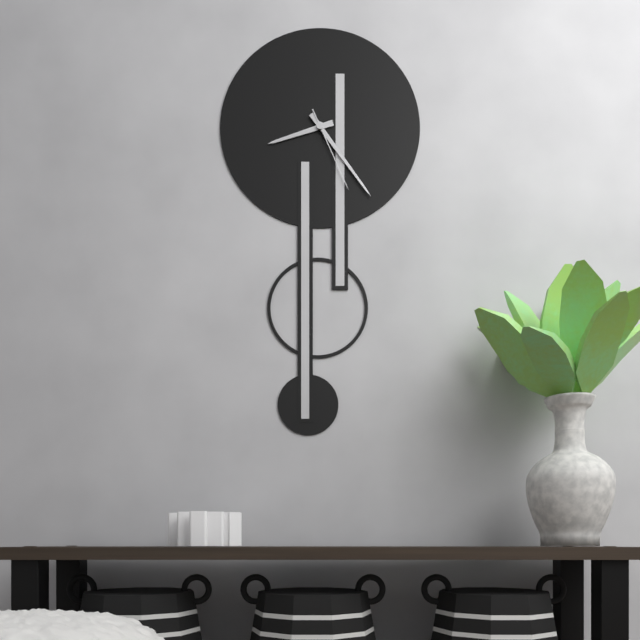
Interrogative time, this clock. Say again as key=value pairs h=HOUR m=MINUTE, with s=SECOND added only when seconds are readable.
h=8 m=24 s=26
